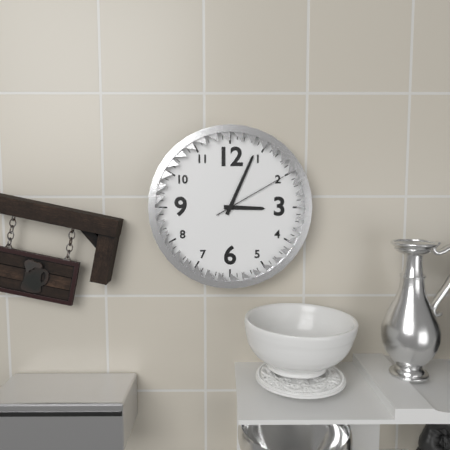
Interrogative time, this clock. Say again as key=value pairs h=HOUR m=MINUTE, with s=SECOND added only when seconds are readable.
h=3 m=4 s=10
